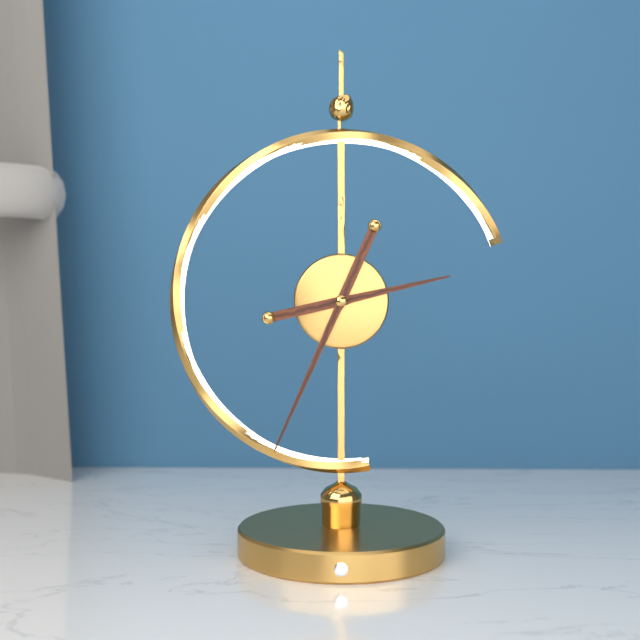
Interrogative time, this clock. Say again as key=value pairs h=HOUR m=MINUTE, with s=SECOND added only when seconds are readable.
h=2 m=34
